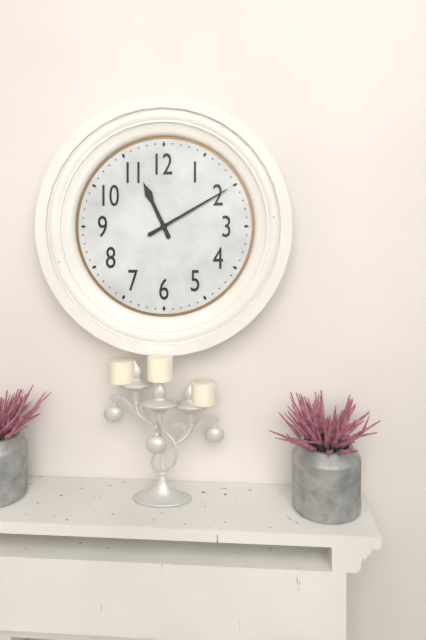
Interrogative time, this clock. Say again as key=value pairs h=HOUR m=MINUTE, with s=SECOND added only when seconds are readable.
h=11 m=10
